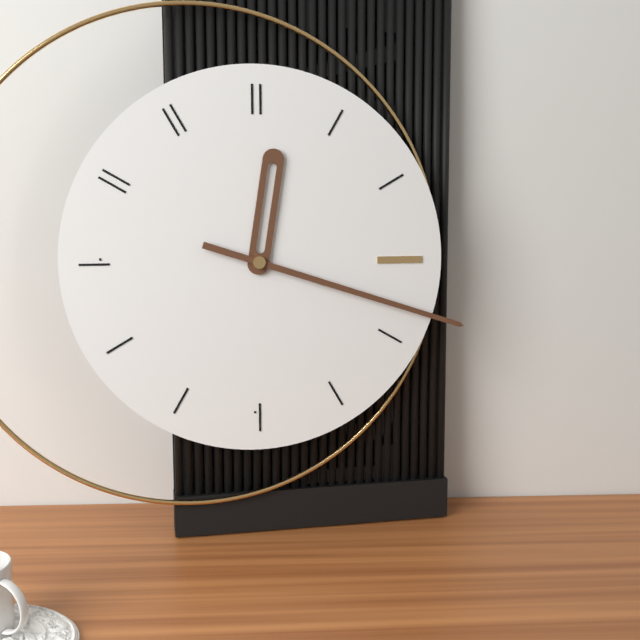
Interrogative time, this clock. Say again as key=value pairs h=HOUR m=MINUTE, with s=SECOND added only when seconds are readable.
h=12 m=18
